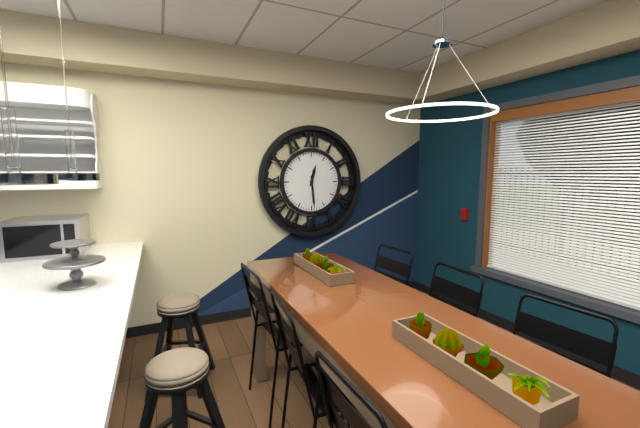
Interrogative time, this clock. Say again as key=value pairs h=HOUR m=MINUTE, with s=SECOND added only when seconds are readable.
h=12 m=29
